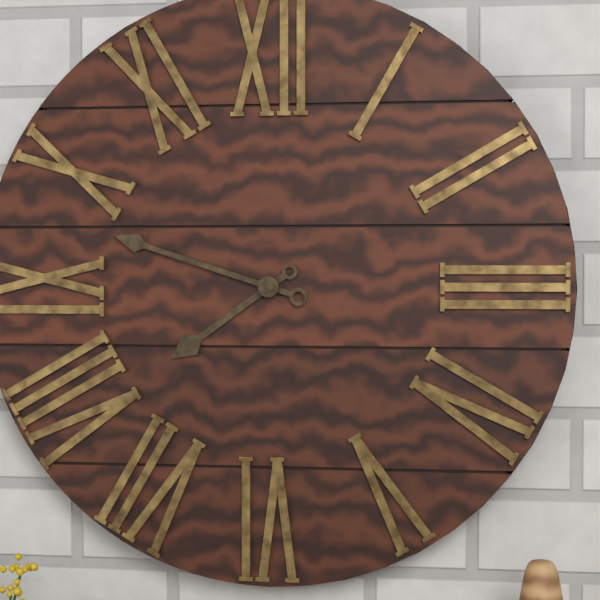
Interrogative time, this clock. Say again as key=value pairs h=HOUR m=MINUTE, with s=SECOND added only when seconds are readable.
h=7 m=48
